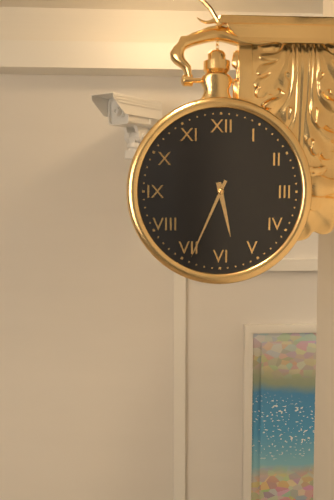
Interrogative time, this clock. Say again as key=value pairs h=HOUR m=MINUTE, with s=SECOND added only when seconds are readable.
h=5 m=34
